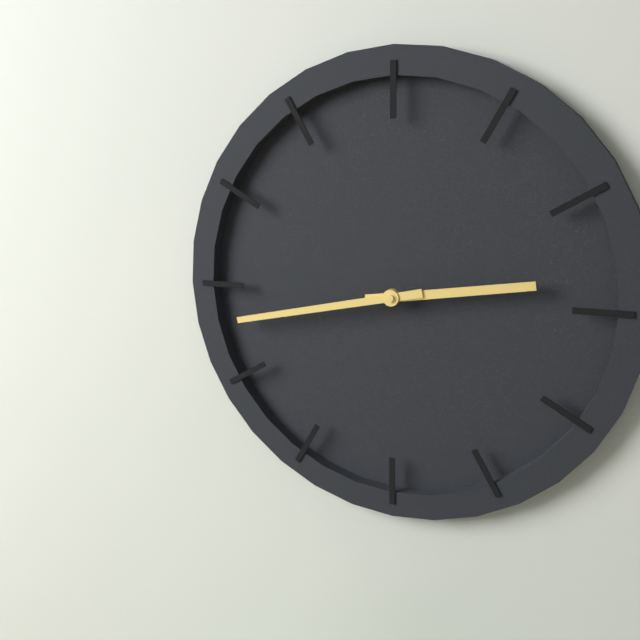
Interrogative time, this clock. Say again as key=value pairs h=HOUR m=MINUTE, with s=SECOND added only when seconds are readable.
h=2 m=43
